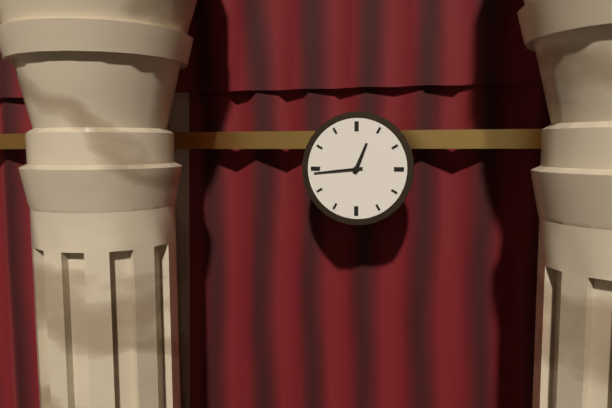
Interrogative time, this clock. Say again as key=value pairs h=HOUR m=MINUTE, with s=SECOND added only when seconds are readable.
h=12 m=44
